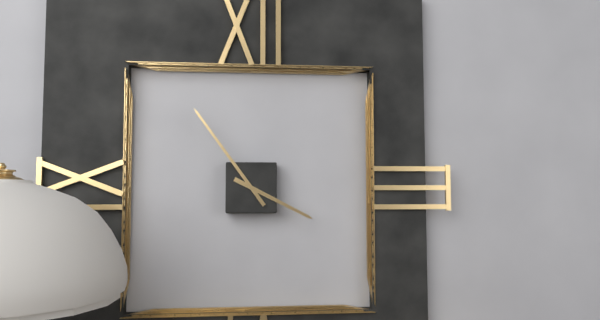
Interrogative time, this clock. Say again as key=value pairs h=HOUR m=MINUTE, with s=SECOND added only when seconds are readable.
h=3 m=54
